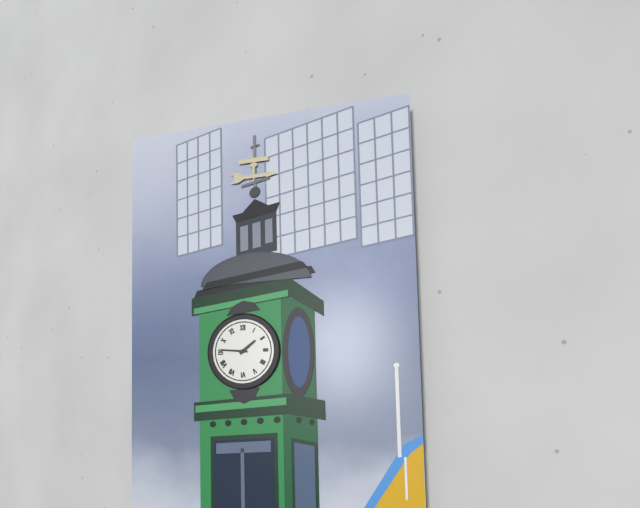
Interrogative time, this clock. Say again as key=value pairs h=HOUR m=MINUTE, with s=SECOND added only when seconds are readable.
h=1 m=46
